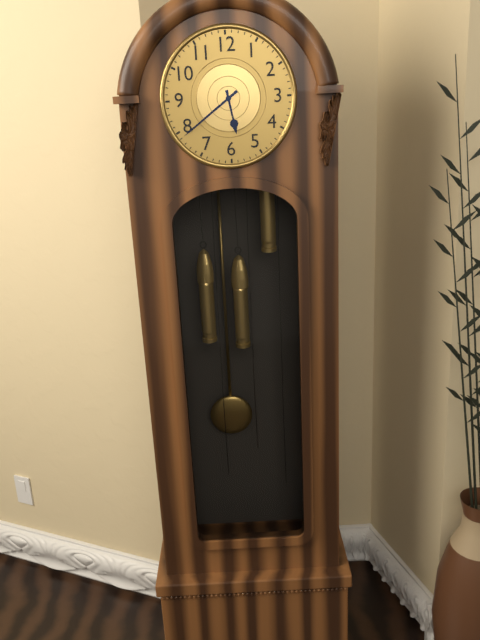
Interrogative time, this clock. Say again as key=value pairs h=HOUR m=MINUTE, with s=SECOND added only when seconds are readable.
h=5 m=39
